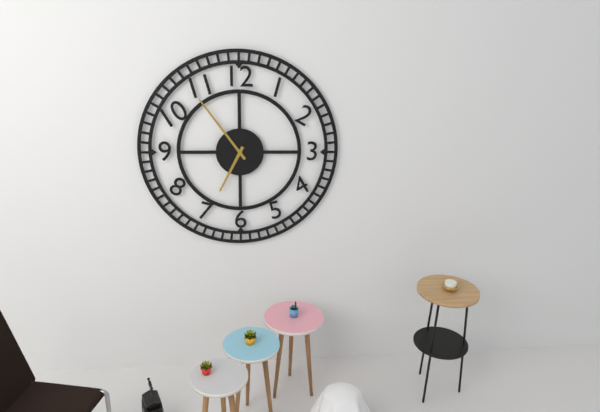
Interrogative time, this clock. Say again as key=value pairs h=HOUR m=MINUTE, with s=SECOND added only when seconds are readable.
h=6 m=54
